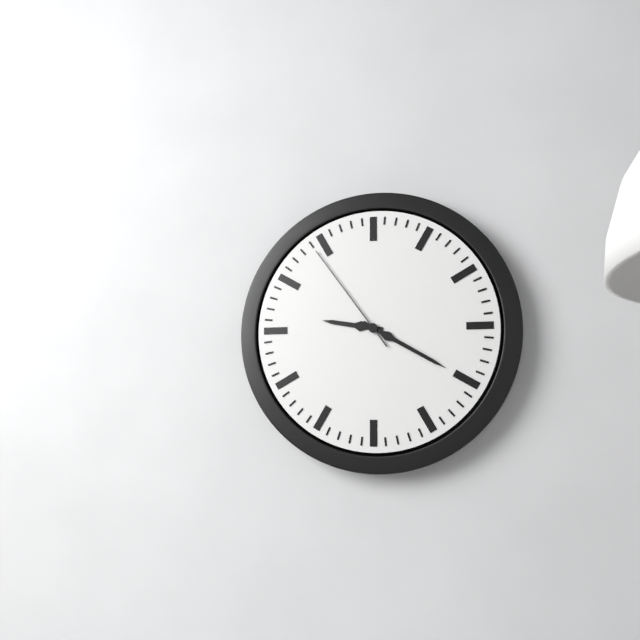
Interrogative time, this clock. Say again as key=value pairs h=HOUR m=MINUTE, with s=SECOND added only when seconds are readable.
h=9 m=20 s=54
